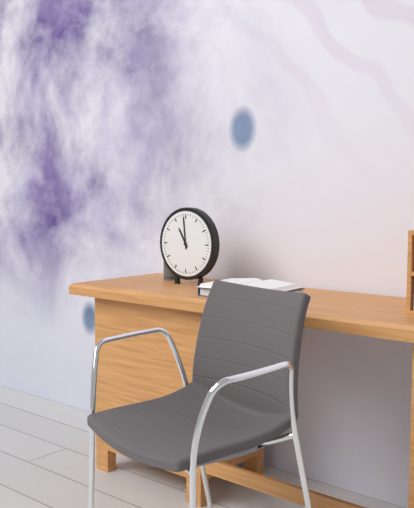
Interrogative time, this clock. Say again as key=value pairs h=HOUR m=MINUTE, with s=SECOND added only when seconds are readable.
h=10 m=59
